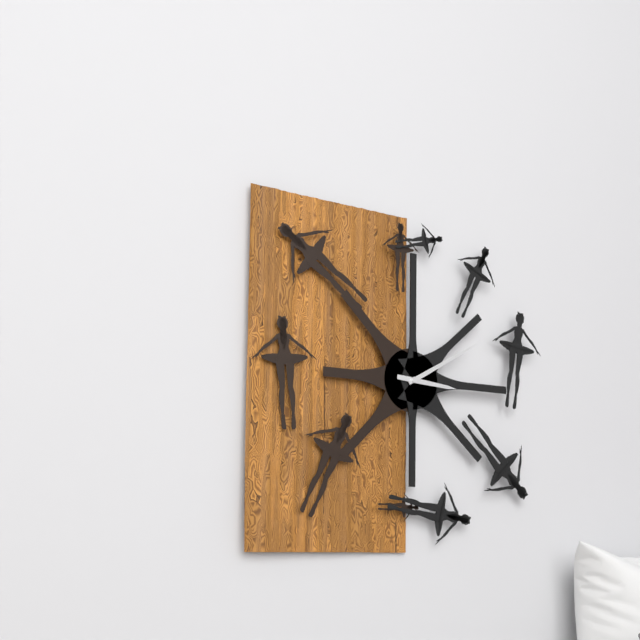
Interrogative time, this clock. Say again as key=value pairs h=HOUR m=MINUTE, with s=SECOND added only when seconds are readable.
h=3 m=10
